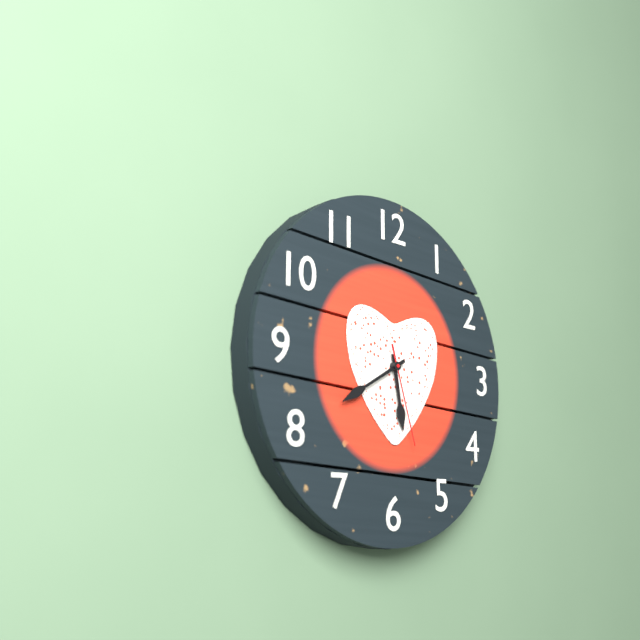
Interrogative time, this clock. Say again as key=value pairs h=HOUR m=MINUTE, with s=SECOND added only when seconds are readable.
h=5 m=40 s=27
